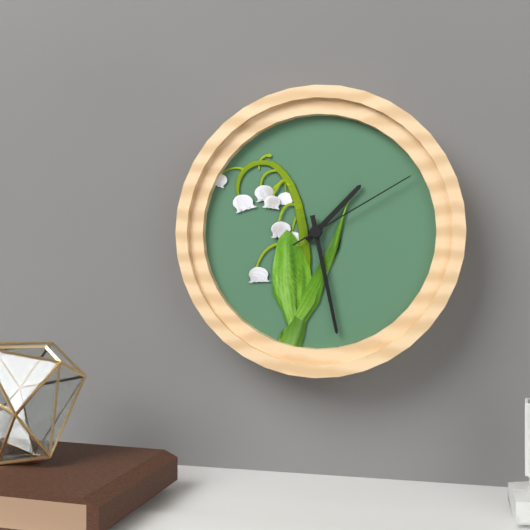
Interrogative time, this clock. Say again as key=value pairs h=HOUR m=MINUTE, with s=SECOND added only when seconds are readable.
h=1 m=28 s=10
